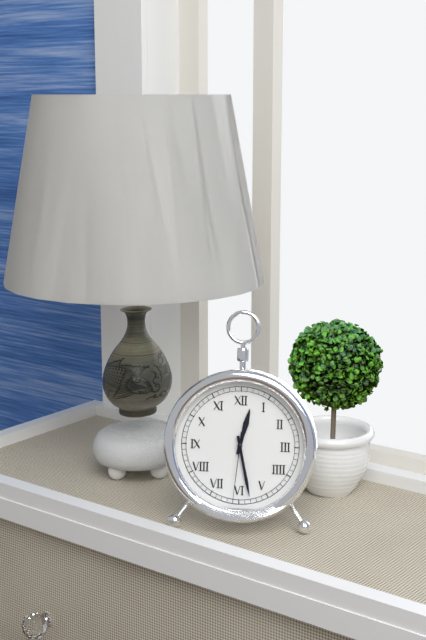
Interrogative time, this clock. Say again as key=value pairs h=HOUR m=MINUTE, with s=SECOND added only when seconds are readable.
h=12 m=28 s=31
